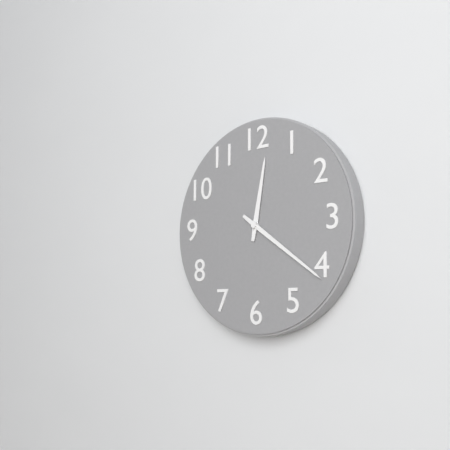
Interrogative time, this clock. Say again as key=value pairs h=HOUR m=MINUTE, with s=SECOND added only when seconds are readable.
h=12 m=21
